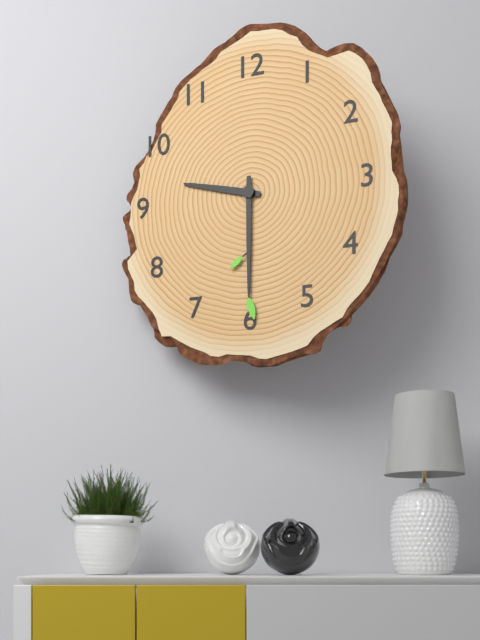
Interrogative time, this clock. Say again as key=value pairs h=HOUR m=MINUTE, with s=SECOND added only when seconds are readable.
h=9 m=30
